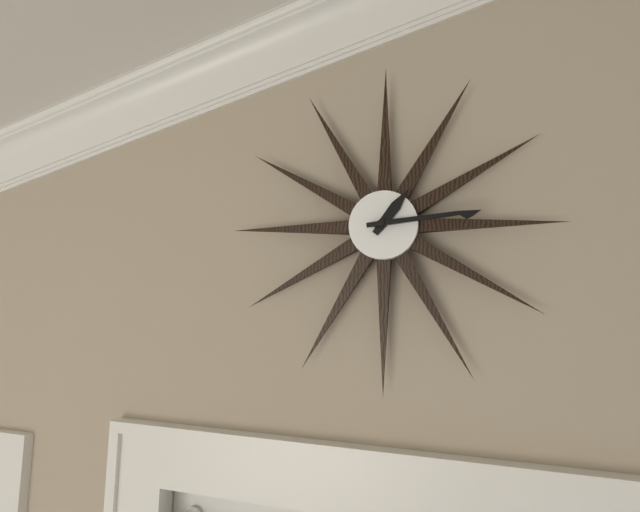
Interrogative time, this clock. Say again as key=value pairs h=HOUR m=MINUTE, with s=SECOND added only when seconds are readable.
h=1 m=14
